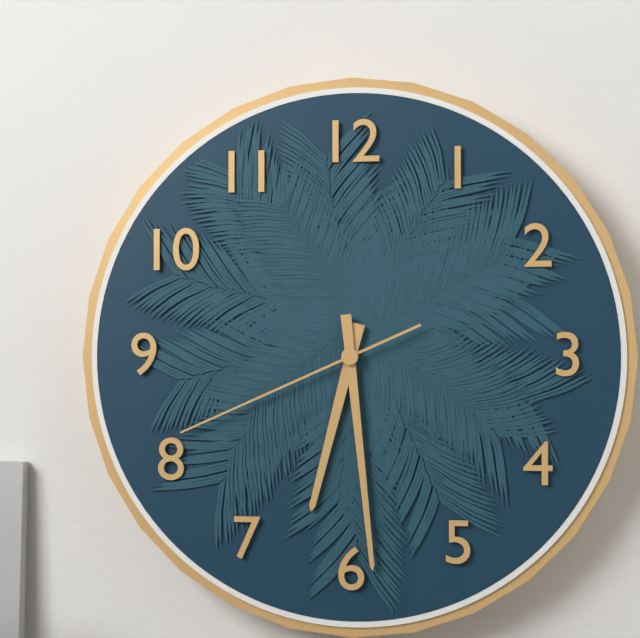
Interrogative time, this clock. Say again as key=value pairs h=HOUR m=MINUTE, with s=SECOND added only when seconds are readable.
h=6 m=29 s=41
